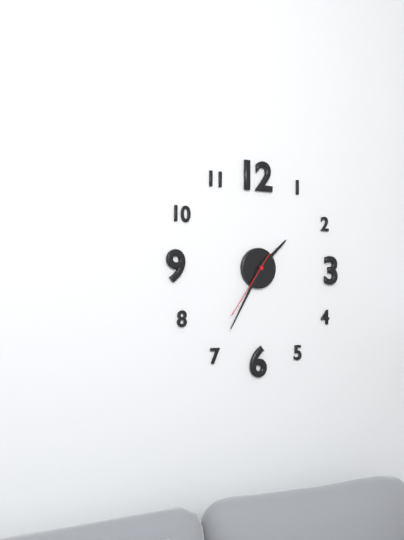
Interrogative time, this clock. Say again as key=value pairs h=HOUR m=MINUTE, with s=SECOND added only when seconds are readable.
h=1 m=35 s=36
